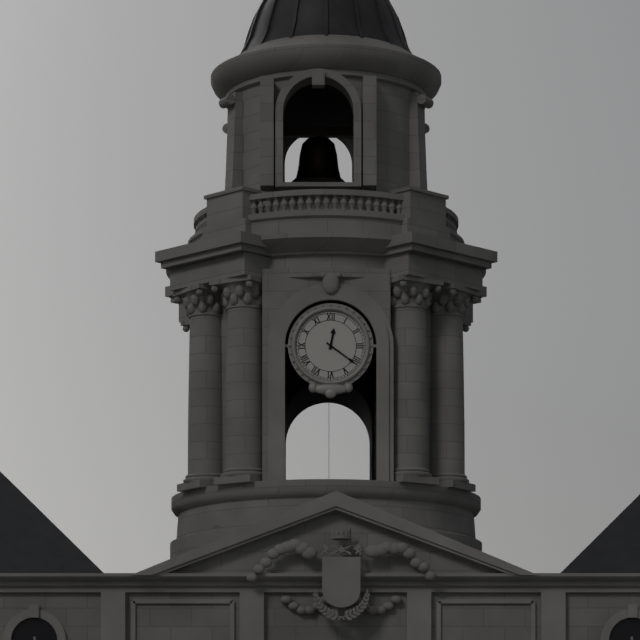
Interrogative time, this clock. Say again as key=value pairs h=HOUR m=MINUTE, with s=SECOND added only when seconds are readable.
h=12 m=21
